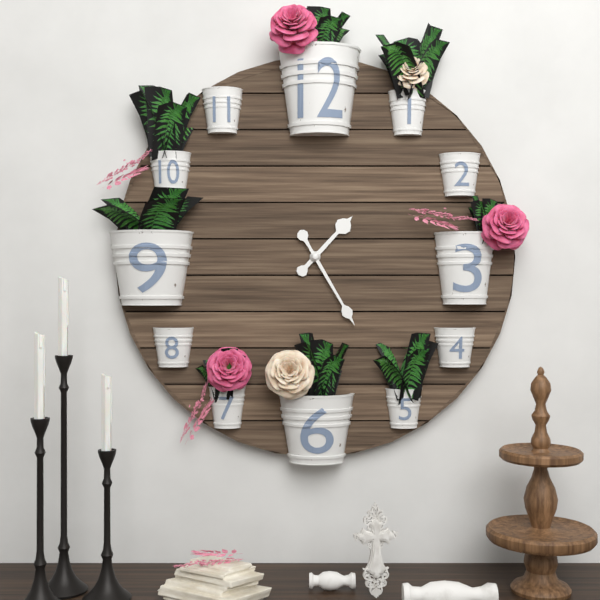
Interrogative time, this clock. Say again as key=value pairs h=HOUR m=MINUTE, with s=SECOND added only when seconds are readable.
h=1 m=25
